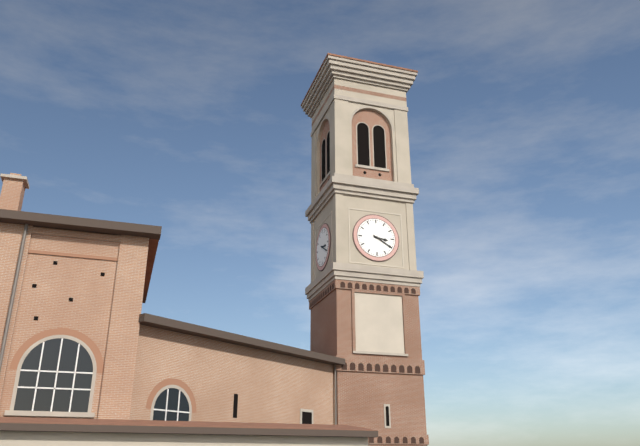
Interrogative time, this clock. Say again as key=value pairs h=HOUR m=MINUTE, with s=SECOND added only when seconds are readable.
h=3 m=20
